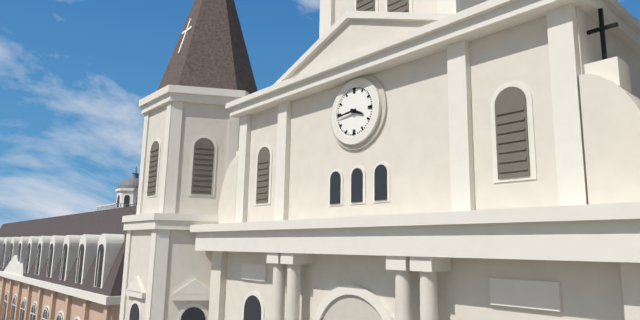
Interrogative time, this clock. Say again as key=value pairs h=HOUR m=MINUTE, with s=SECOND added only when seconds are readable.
h=3 m=44
